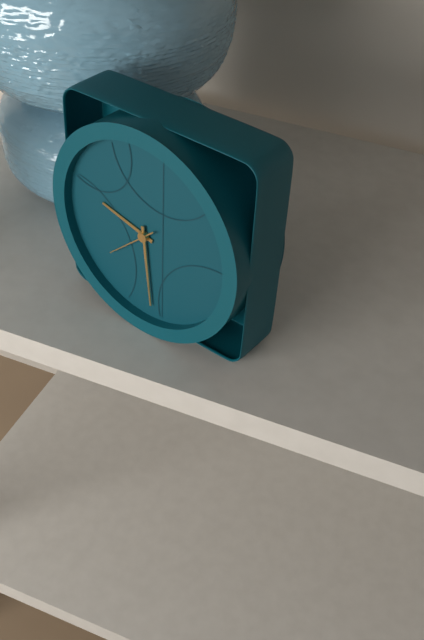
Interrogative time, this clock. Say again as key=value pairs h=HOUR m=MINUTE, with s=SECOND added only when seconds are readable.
h=9 m=29
